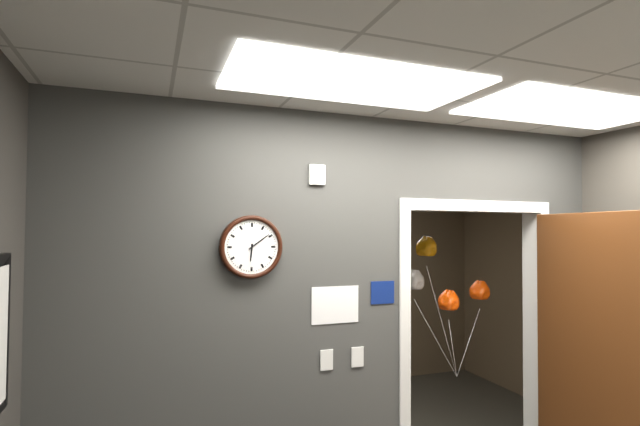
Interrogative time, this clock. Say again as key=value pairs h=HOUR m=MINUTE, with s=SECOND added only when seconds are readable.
h=6 m=9
